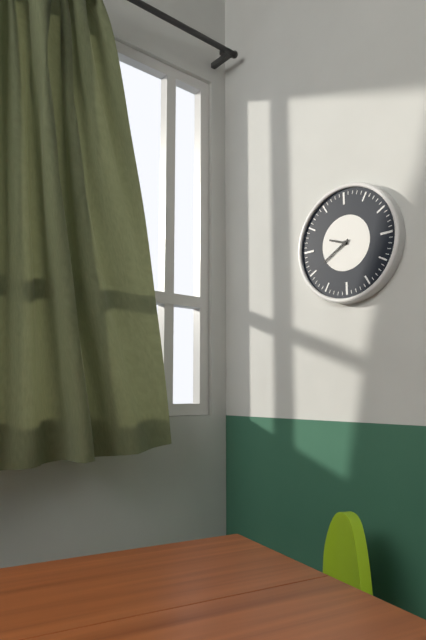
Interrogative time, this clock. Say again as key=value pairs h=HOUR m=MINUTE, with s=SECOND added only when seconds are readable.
h=9 m=40
